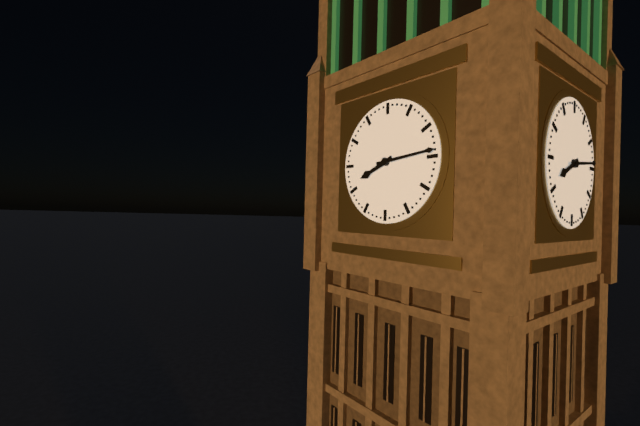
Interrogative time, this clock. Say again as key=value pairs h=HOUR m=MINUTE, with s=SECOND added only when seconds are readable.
h=8 m=14
